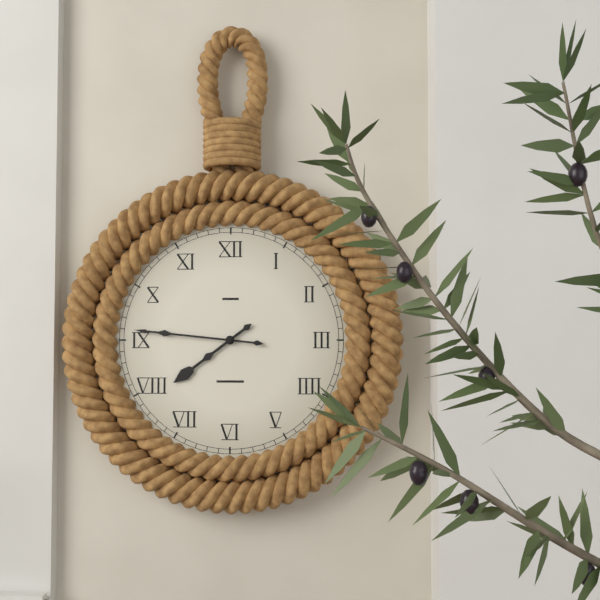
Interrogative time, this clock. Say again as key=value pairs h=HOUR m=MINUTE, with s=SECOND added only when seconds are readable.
h=7 m=46
